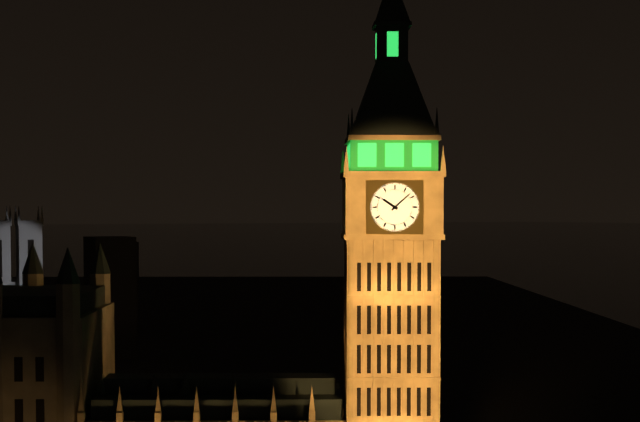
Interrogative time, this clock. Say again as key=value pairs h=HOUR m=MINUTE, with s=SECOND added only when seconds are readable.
h=10 m=8
